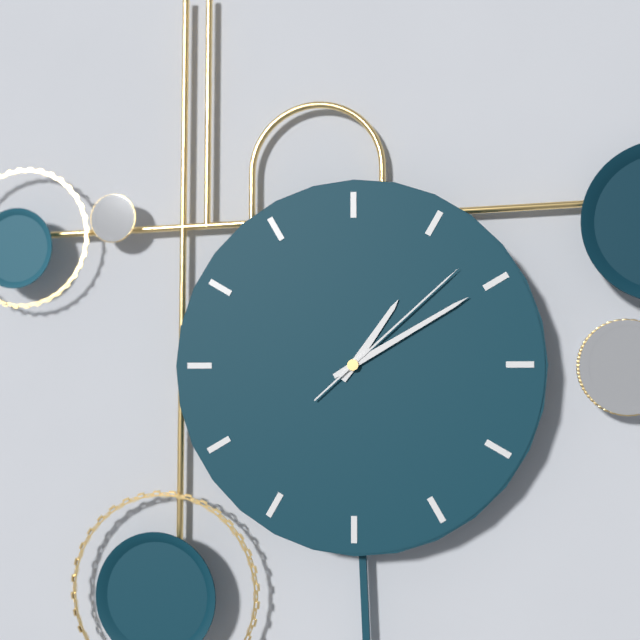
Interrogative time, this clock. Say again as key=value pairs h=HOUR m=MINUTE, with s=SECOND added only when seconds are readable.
h=1 m=10 s=8
